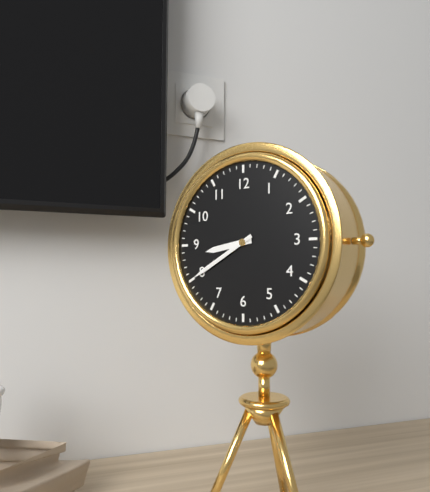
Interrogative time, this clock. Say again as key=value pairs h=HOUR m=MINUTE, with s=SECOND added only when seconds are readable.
h=8 m=40
